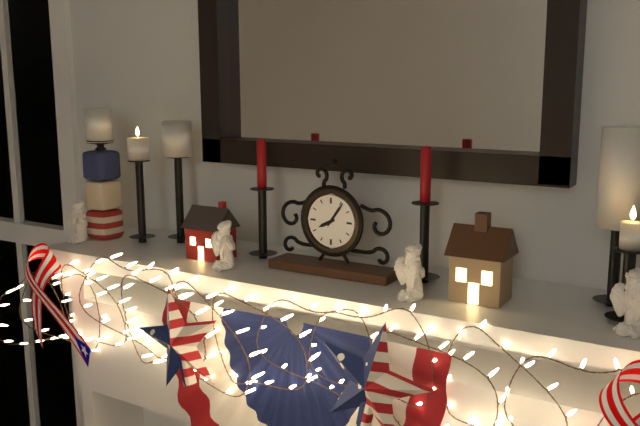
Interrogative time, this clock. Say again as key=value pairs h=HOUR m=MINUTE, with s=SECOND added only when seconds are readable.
h=8 m=6
